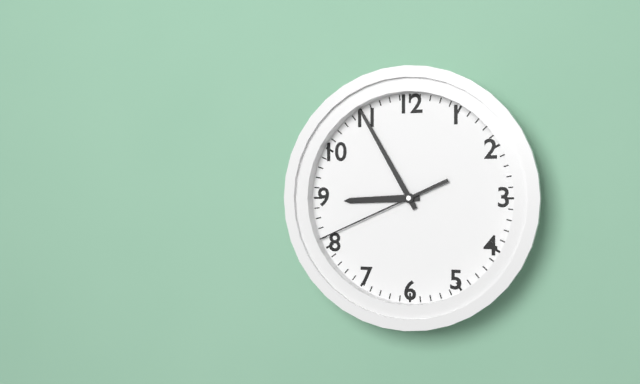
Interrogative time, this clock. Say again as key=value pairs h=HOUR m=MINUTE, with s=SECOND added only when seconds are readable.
h=8 m=55 s=41
